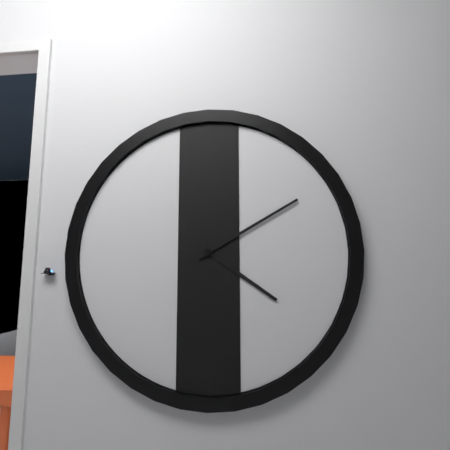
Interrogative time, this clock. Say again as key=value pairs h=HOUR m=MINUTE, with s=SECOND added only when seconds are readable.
h=4 m=10
